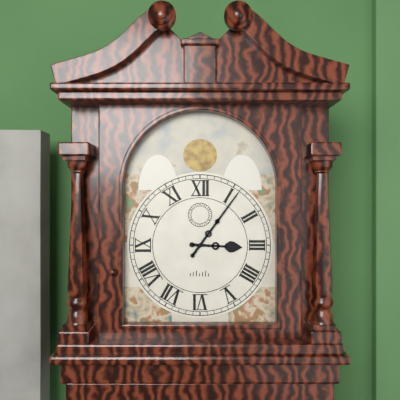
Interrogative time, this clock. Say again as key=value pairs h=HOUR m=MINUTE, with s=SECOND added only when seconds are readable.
h=3 m=6
